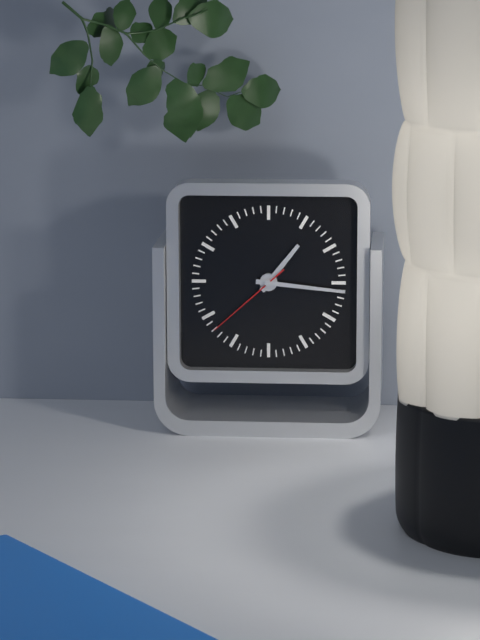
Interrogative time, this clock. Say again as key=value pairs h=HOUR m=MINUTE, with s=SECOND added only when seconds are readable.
h=1 m=16 s=38
